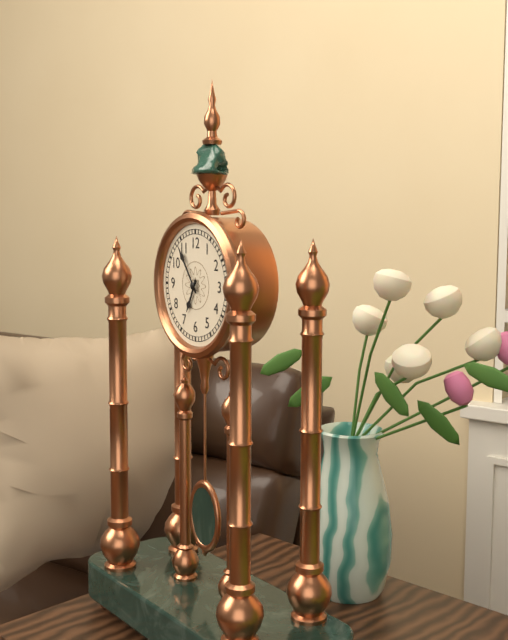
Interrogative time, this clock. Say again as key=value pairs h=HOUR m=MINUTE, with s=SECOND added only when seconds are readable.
h=6 m=54
